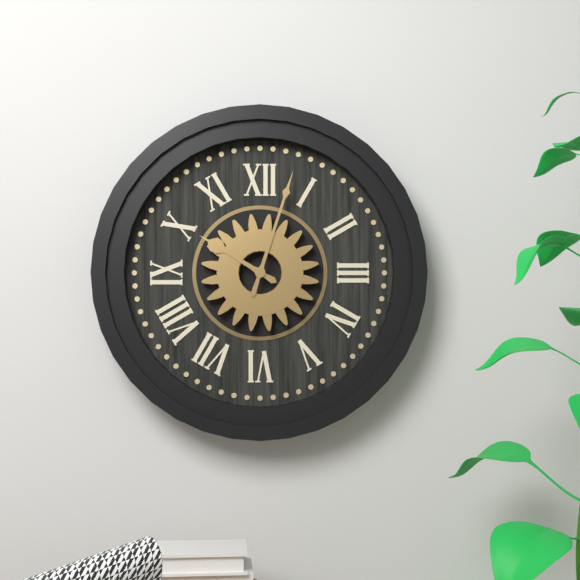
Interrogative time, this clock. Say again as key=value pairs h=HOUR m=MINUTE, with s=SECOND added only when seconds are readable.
h=10 m=3
